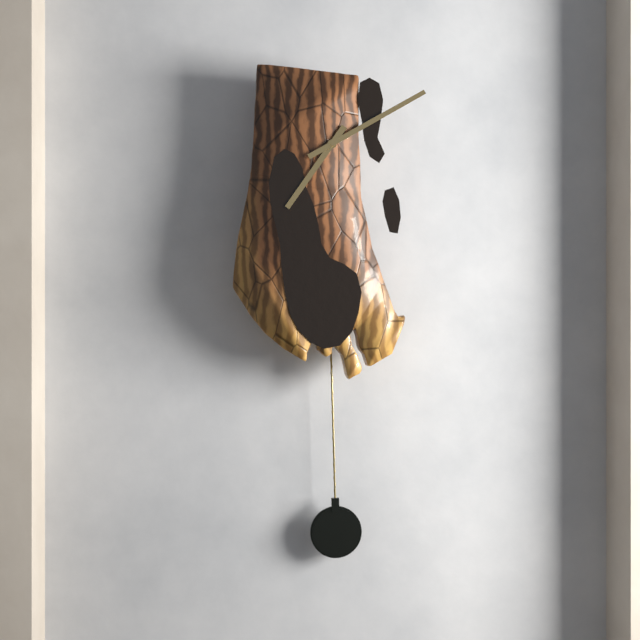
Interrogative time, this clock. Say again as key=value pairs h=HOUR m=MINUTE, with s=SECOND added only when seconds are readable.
h=7 m=10
